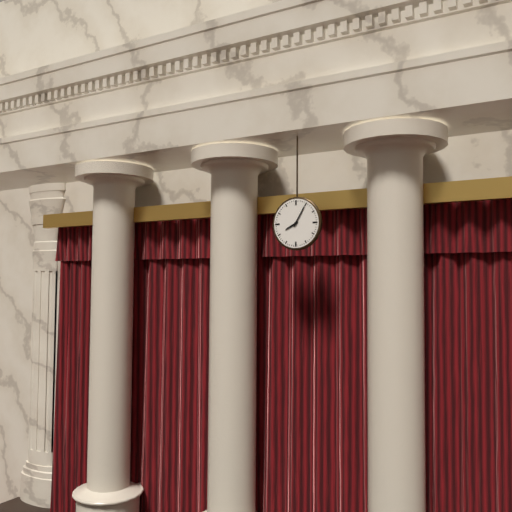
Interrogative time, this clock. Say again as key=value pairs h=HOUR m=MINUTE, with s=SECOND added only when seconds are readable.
h=8 m=5
